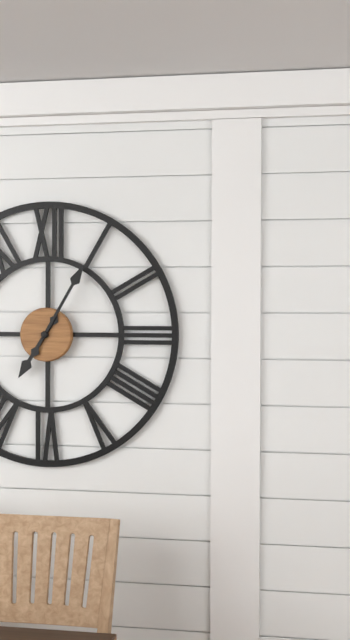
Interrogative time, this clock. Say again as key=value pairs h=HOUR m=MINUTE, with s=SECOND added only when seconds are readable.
h=7 m=5
